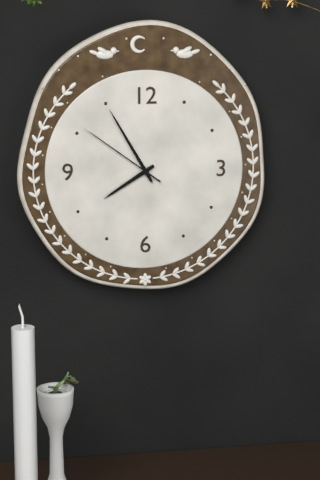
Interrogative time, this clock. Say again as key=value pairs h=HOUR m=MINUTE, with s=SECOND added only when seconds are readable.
h=7 m=55 s=51
